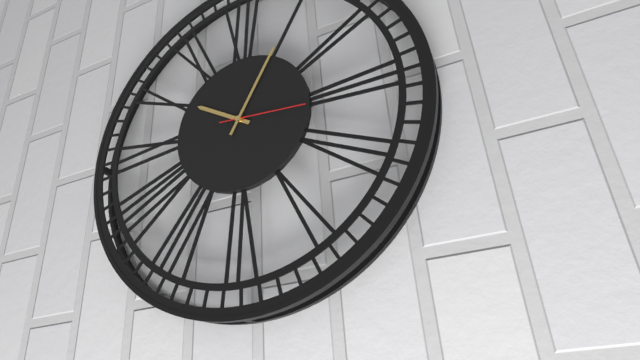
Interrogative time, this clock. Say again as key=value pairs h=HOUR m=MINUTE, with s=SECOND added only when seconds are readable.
h=10 m=5 s=16
